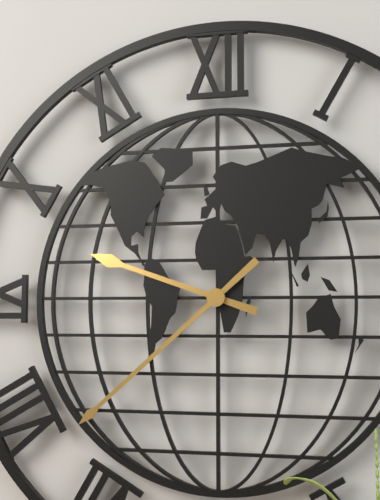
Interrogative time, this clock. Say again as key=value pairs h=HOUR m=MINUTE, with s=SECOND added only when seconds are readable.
h=9 m=38
